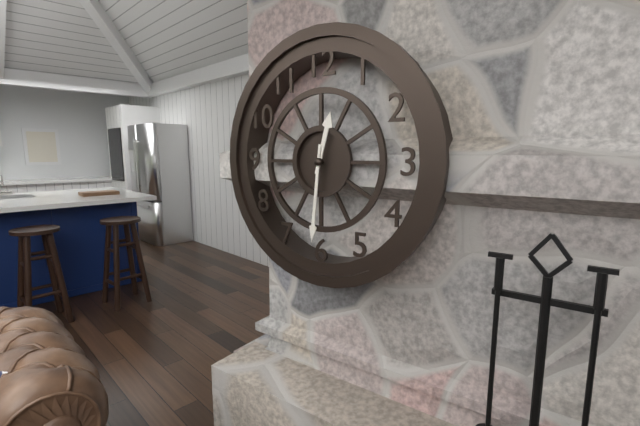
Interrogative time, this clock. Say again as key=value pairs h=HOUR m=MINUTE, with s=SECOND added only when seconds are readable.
h=12 m=31
